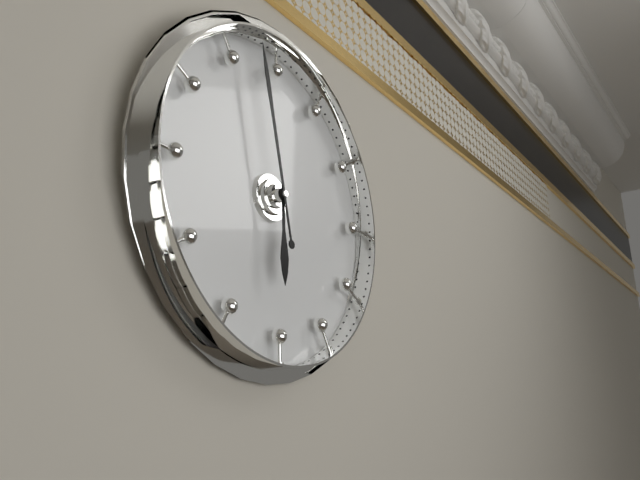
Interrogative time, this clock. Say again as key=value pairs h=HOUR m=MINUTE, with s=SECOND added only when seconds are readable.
h=5 m=58
